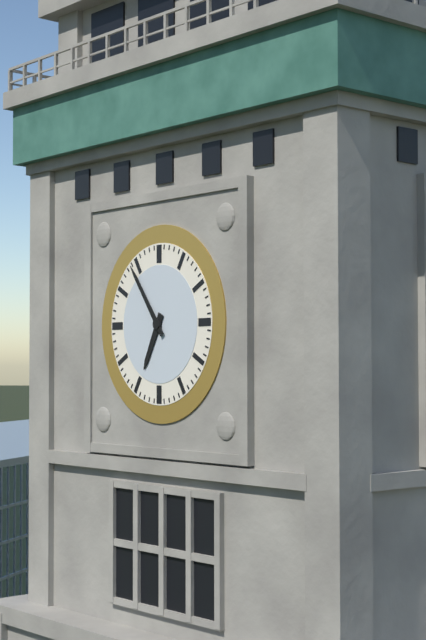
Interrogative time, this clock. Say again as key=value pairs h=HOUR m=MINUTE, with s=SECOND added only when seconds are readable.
h=6 m=54
